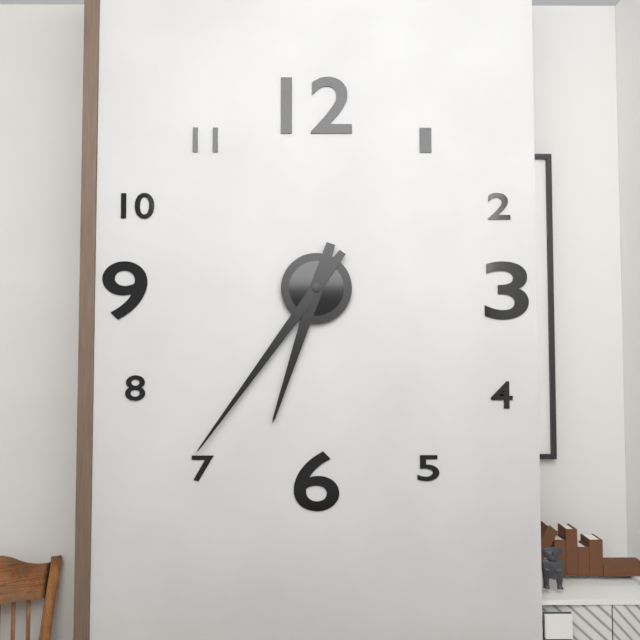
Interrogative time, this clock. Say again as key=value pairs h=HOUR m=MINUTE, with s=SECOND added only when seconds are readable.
h=6 m=36
